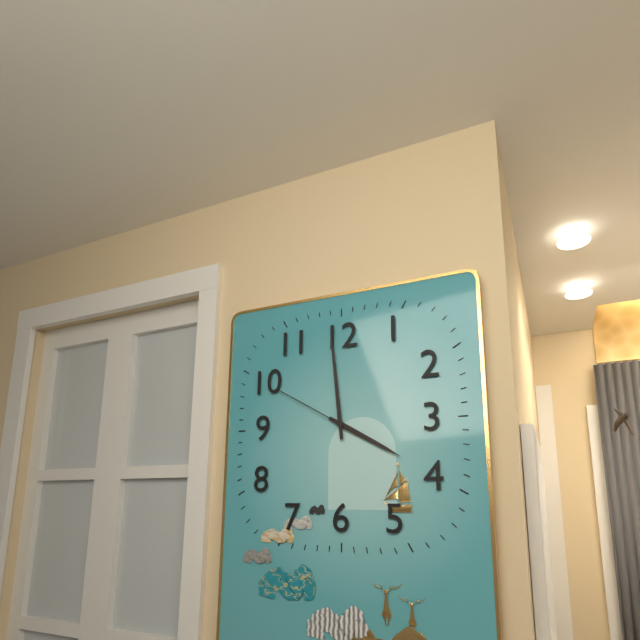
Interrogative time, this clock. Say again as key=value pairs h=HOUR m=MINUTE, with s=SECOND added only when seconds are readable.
h=3 m=59 s=50
